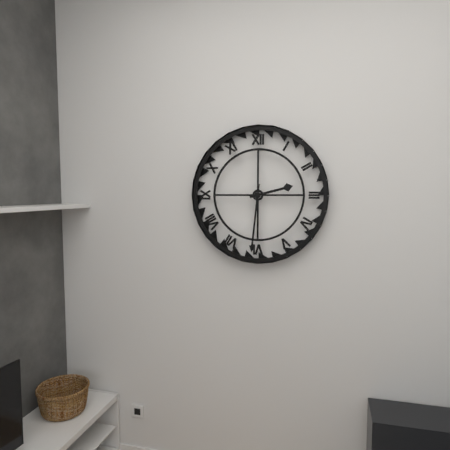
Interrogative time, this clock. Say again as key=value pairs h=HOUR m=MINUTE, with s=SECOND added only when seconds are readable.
h=2 m=31
